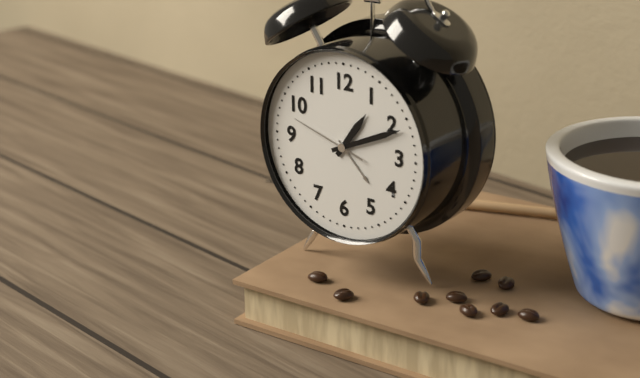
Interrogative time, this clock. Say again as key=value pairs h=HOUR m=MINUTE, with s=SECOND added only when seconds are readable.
h=1 m=11 s=48
